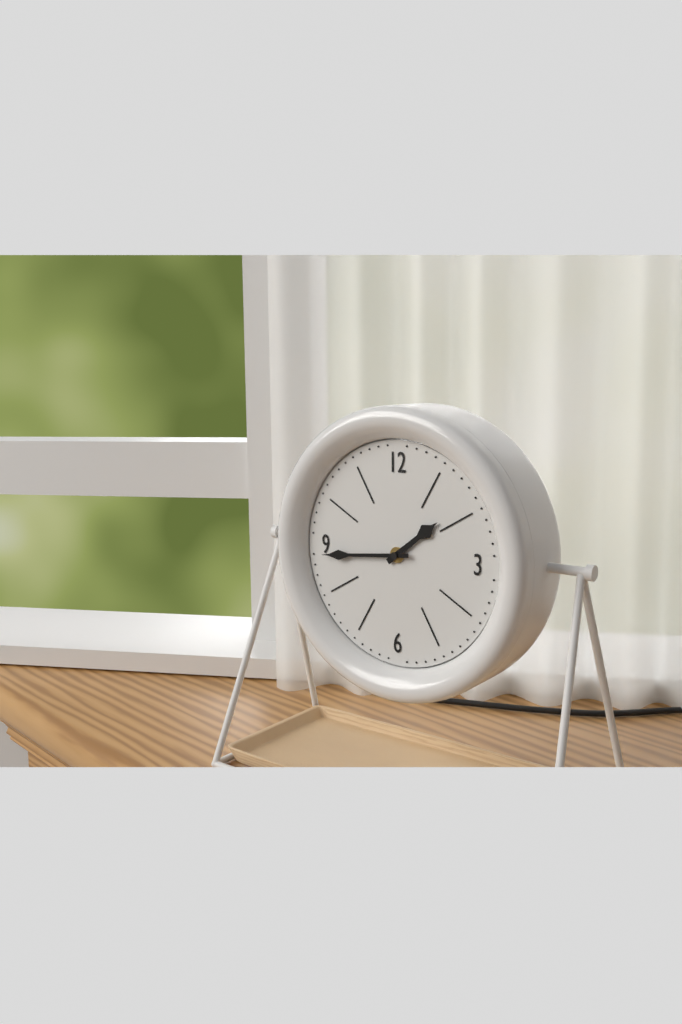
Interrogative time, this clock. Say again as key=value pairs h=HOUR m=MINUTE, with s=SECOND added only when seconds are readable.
h=1 m=44
